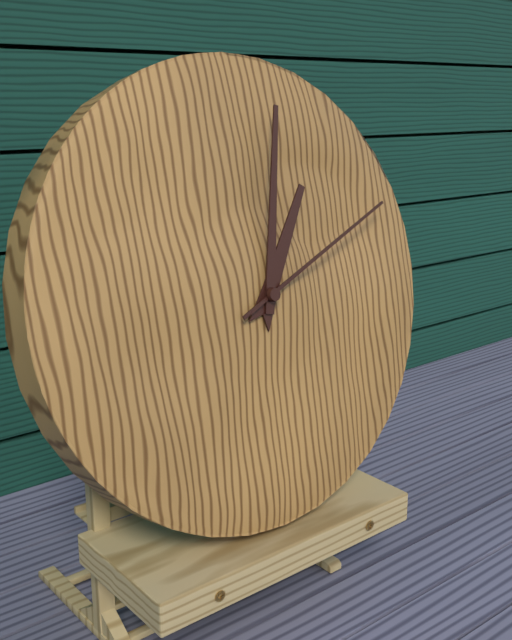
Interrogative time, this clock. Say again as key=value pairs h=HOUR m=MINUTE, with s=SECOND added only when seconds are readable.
h=1 m=2 s=11
